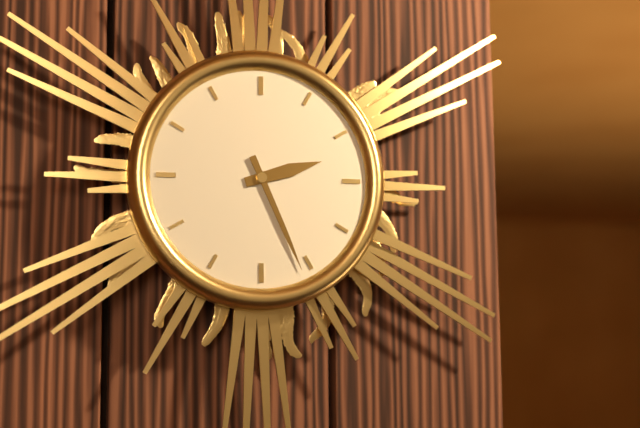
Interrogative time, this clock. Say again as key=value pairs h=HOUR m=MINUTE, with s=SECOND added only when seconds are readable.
h=2 m=26
